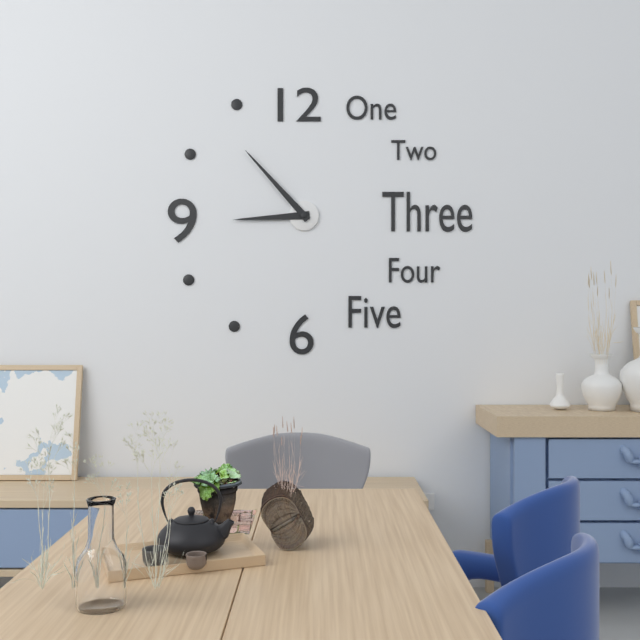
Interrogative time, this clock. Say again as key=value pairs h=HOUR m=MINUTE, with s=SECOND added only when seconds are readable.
h=8 m=53
